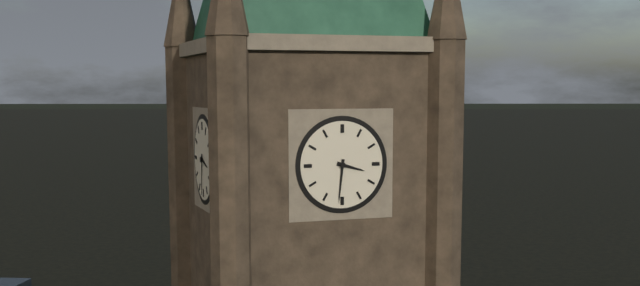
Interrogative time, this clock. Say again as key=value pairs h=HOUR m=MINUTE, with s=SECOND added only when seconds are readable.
h=3 m=31
